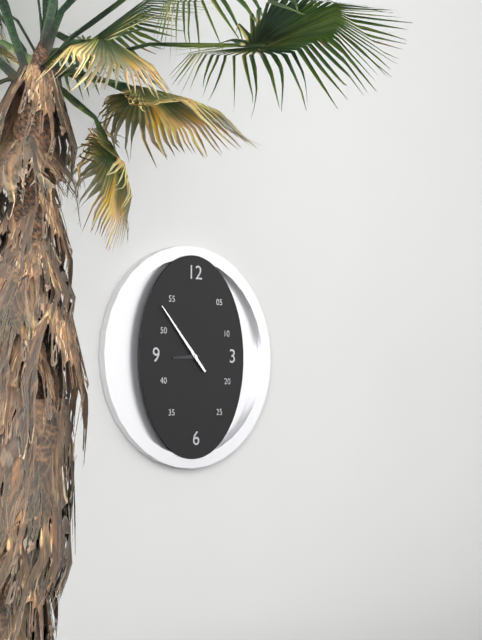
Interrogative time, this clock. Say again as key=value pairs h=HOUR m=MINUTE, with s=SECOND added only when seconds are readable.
h=8 m=53
